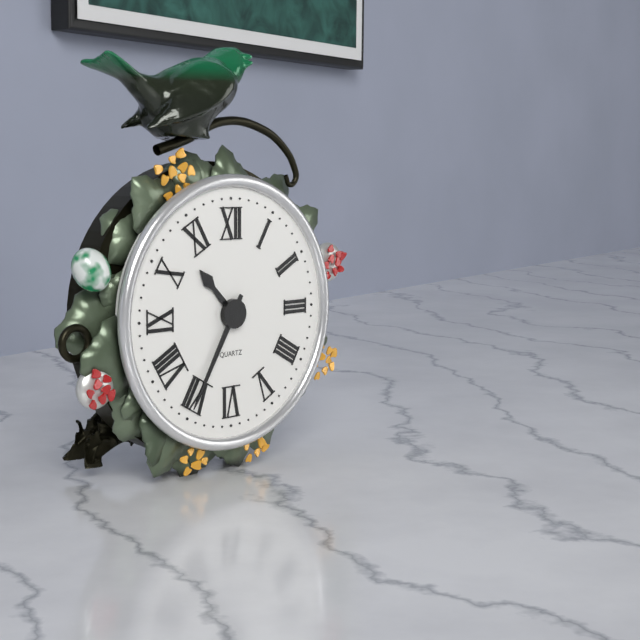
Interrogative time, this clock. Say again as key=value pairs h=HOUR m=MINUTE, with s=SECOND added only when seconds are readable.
h=10 m=35
